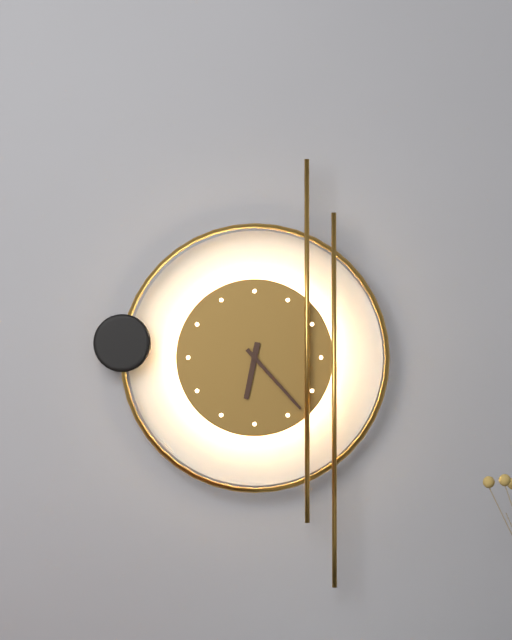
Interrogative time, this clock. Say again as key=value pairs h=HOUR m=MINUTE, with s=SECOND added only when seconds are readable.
h=6 m=23
